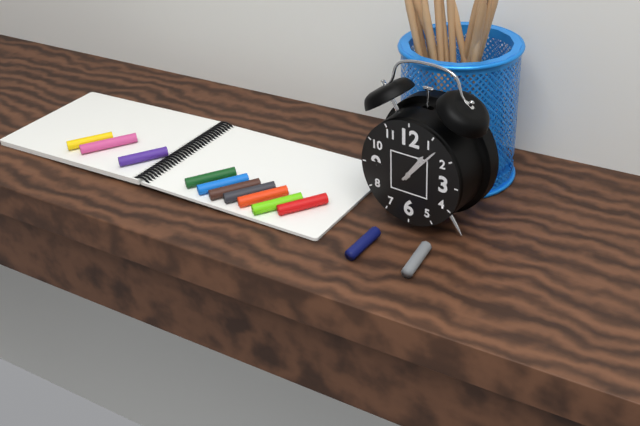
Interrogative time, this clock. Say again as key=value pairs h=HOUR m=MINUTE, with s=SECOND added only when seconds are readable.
h=1 m=7
